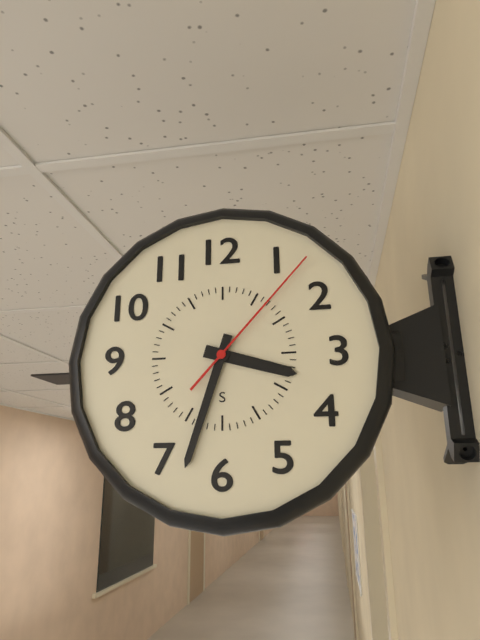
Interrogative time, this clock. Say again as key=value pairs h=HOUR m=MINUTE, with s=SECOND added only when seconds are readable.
h=3 m=33 s=7
